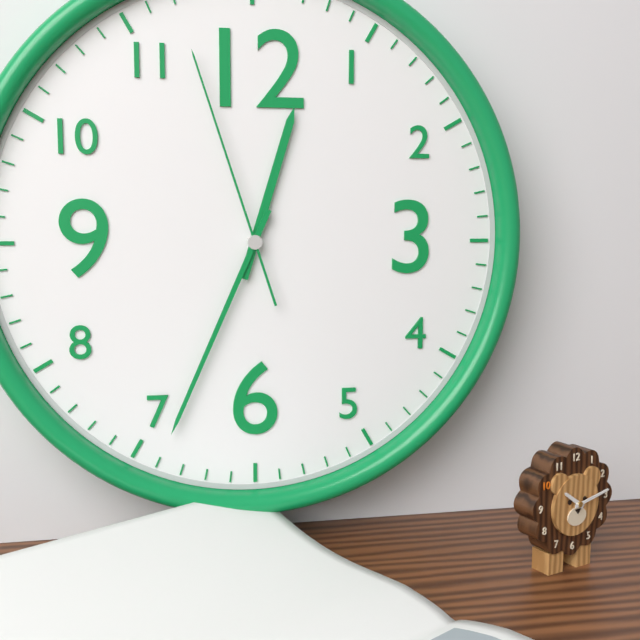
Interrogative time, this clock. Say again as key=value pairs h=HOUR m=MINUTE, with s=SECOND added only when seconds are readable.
h=12 m=34 s=57
